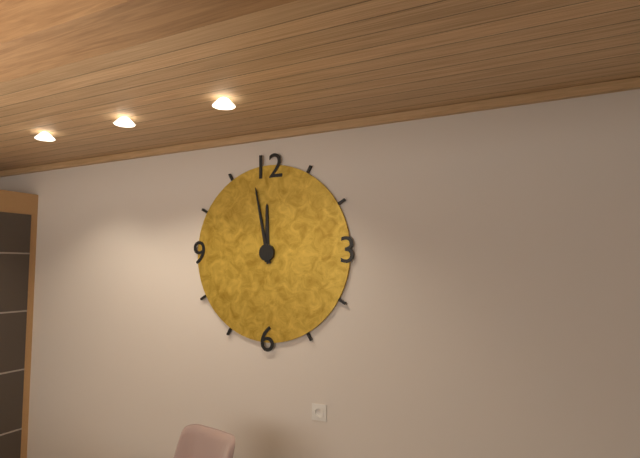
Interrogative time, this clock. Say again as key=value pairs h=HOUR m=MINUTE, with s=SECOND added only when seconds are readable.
h=11 m=58
